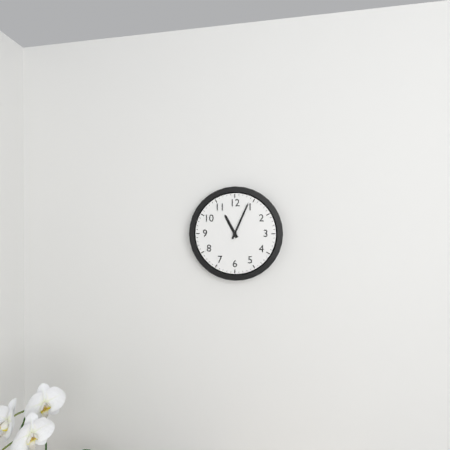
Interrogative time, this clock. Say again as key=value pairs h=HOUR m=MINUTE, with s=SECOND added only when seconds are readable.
h=11 m=4
